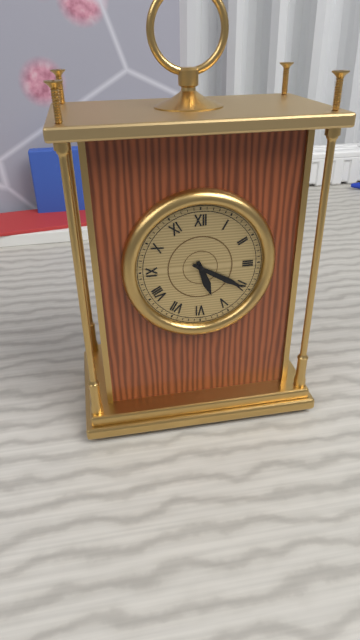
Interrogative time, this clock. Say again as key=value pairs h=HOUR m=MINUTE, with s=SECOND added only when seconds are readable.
h=5 m=20
